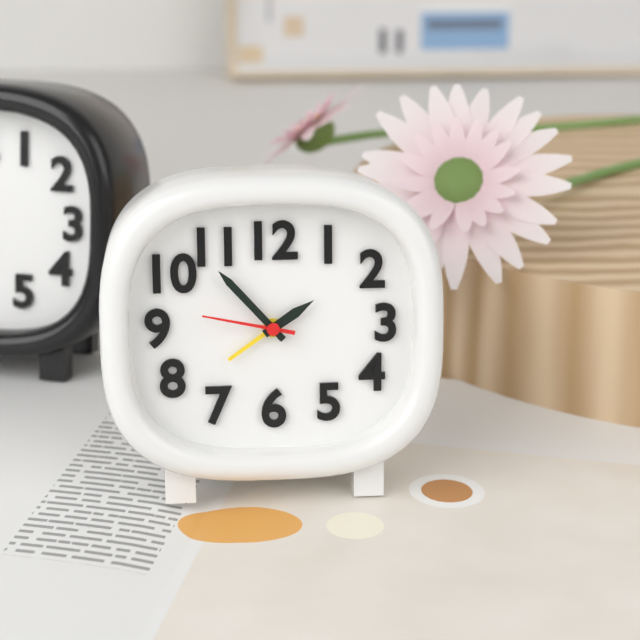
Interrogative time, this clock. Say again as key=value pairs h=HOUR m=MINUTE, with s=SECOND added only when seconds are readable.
h=1 m=53 s=47
